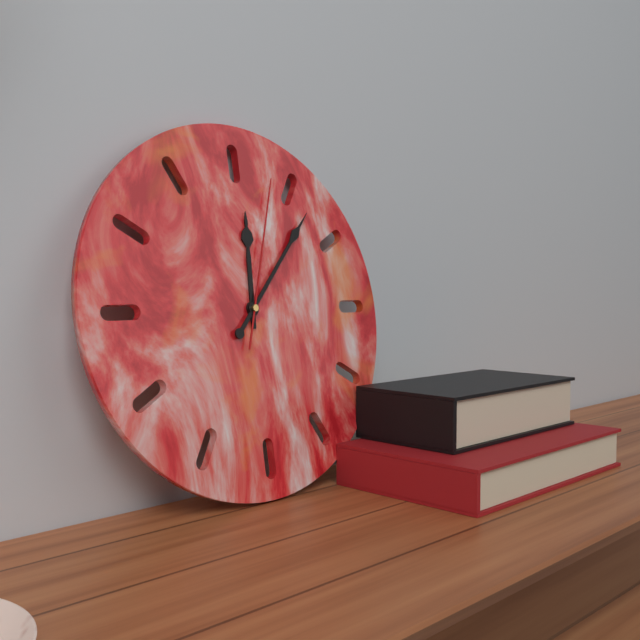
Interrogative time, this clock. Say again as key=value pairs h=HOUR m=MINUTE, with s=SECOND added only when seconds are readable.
h=12 m=7 s=3
